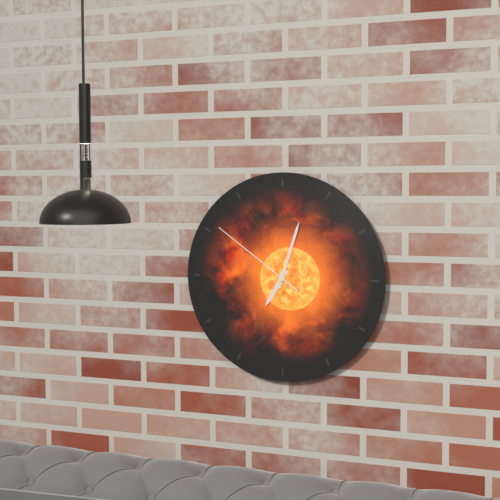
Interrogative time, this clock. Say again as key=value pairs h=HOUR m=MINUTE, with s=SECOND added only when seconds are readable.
h=7 m=3 s=51
